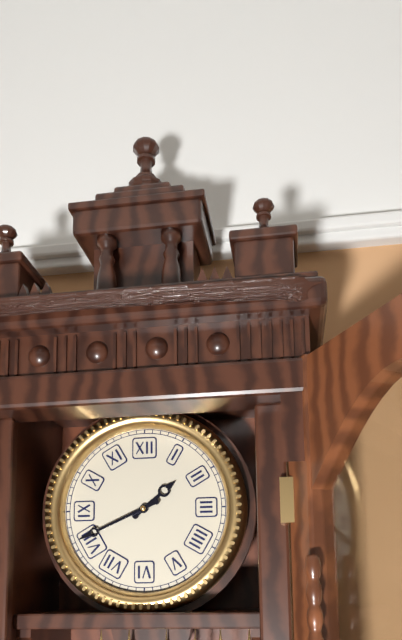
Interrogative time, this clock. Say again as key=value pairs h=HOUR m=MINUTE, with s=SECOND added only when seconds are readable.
h=1 m=41
